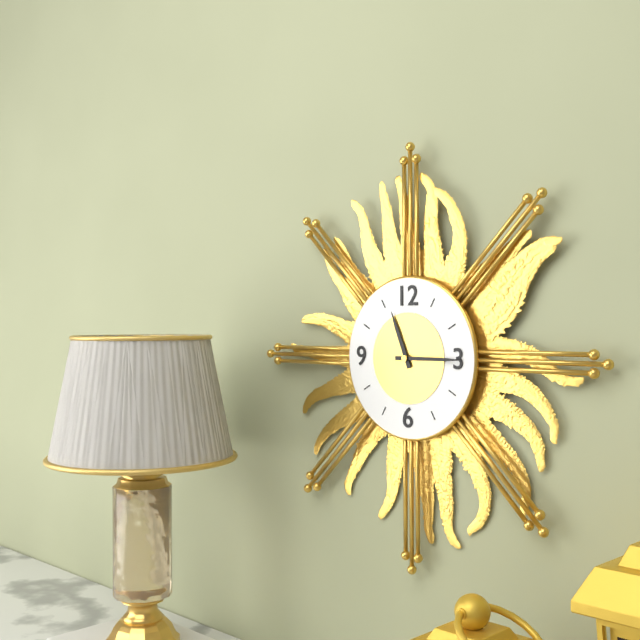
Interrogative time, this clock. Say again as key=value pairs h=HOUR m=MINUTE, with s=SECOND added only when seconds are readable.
h=11 m=15
